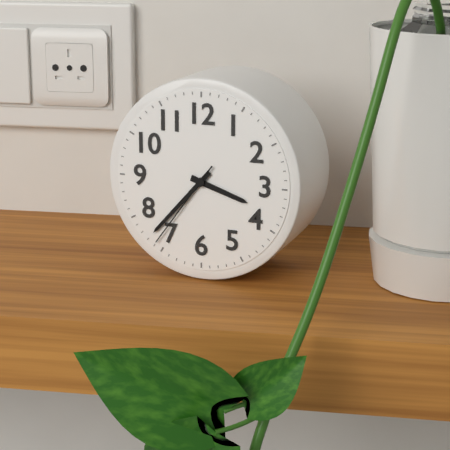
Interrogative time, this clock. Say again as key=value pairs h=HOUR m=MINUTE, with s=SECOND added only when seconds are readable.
h=3 m=37 s=36
